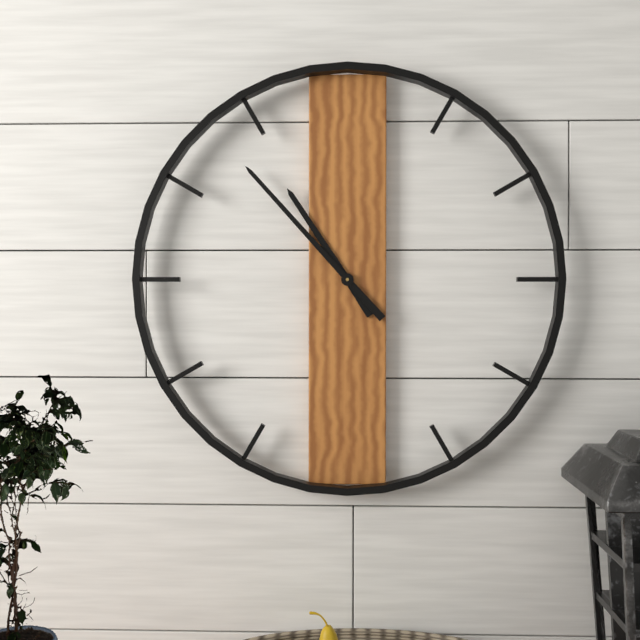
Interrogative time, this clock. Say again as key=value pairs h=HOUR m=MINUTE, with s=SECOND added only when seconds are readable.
h=10 m=53
